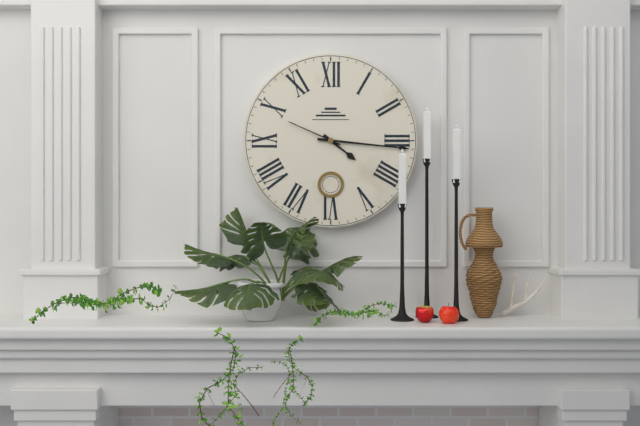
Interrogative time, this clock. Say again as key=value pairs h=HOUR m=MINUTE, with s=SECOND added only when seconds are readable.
h=4 m=16 s=49
